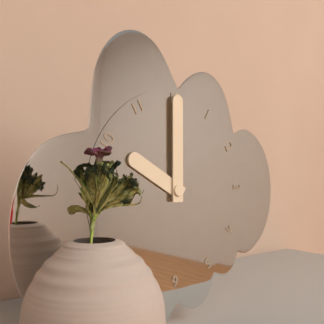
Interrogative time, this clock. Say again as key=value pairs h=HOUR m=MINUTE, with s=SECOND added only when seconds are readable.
h=10 m=0
